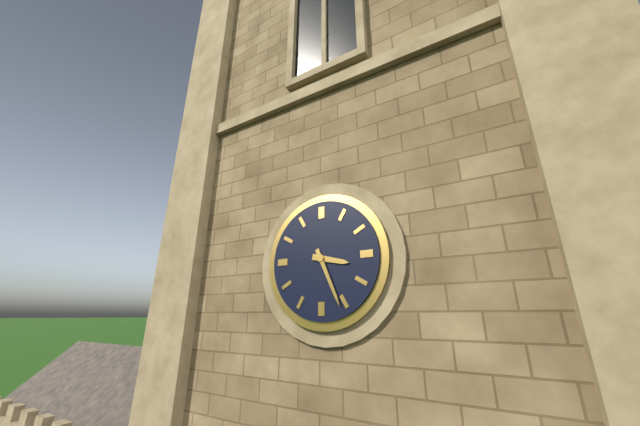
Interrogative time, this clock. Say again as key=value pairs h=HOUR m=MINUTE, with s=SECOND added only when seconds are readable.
h=3 m=26
